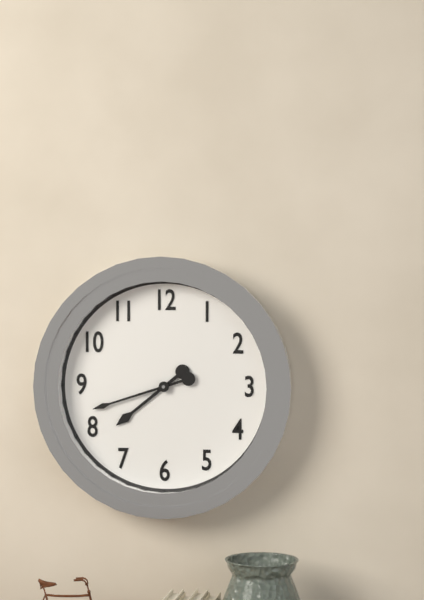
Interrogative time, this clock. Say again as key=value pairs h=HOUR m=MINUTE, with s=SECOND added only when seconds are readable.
h=7 m=42
